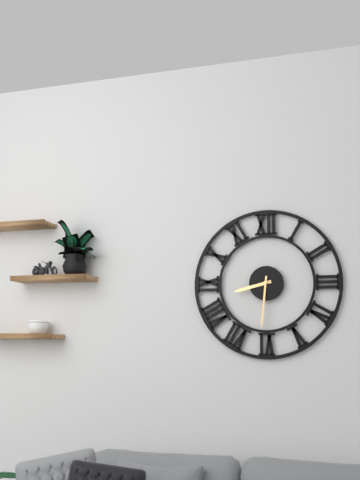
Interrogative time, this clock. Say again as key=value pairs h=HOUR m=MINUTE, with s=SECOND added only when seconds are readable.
h=8 m=31
